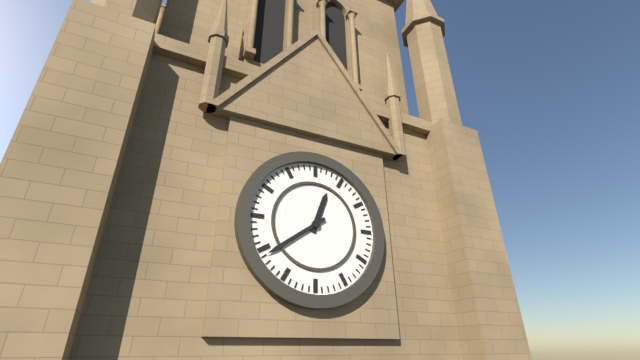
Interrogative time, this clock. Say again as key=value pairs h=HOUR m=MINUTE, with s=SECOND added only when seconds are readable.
h=12 m=39
